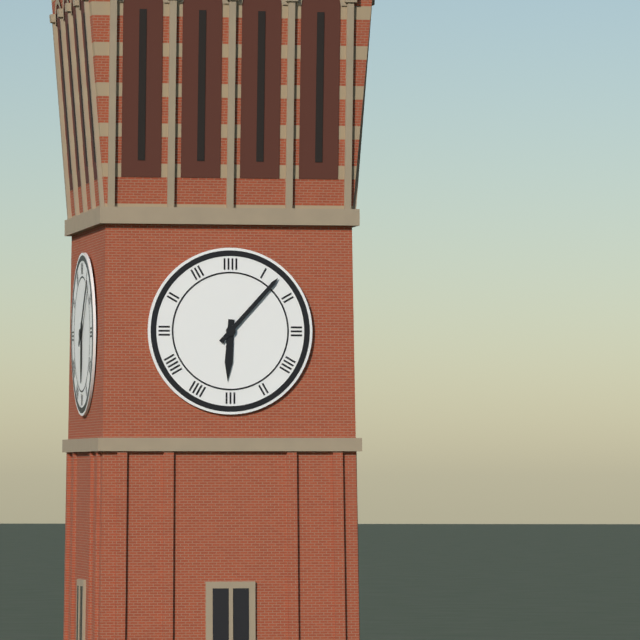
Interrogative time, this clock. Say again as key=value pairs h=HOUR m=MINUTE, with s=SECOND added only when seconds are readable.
h=6 m=7
